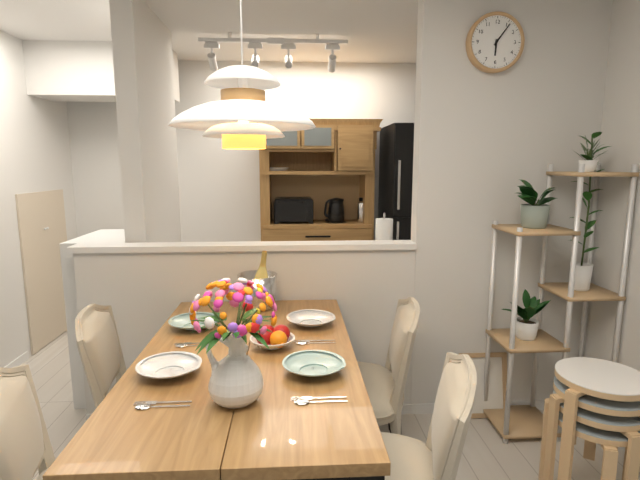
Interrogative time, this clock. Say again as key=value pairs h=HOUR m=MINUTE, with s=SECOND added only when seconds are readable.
h=6 m=6
